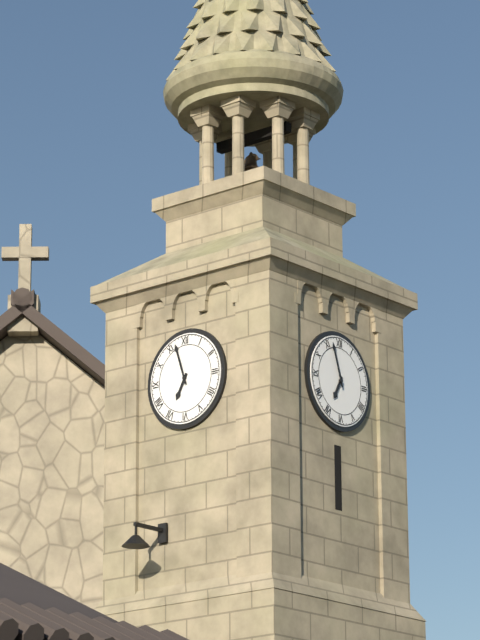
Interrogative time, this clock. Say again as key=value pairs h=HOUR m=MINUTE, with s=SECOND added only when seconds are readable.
h=6 m=57
